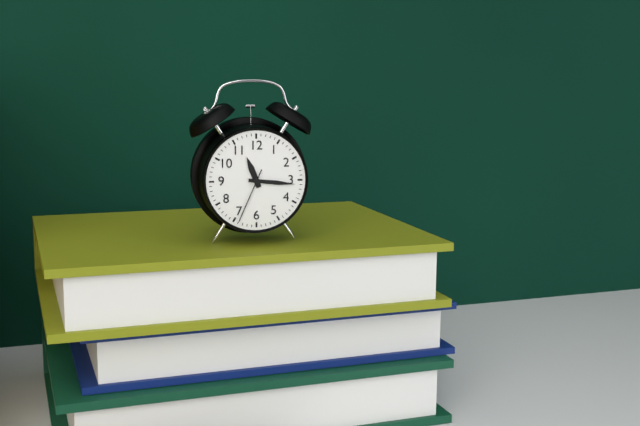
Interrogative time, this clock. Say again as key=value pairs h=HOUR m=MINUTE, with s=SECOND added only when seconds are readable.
h=11 m=16 s=34
